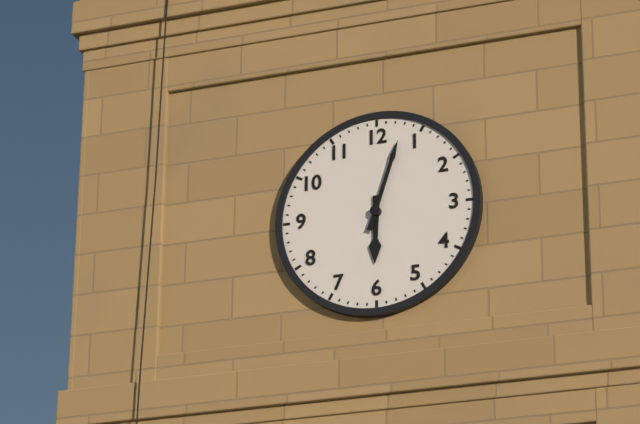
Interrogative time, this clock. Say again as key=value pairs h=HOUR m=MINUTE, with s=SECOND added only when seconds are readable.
h=6 m=3
